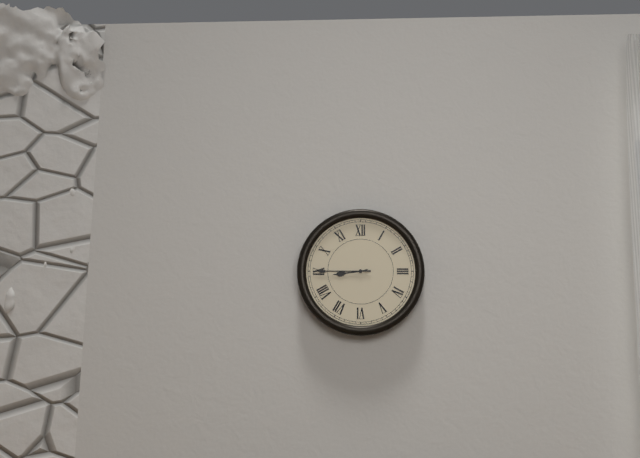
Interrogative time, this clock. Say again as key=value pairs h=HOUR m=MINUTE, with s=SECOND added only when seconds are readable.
h=8 m=45
